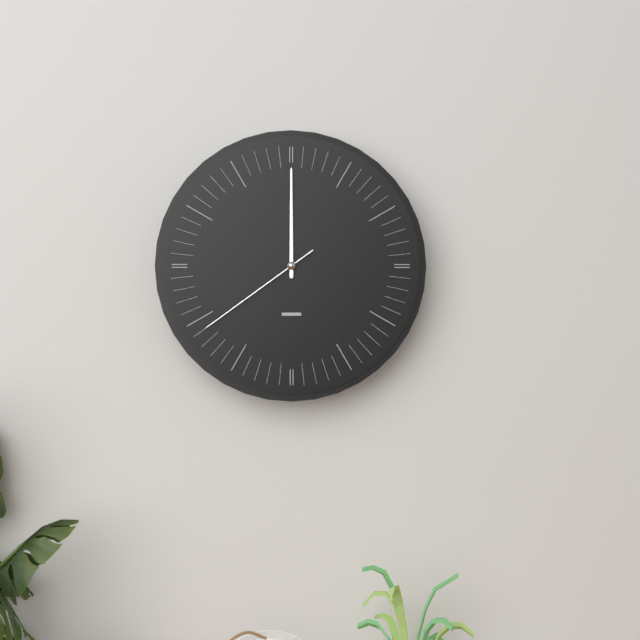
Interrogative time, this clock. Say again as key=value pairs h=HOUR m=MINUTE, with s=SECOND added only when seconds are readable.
h=12 m=0 s=39
